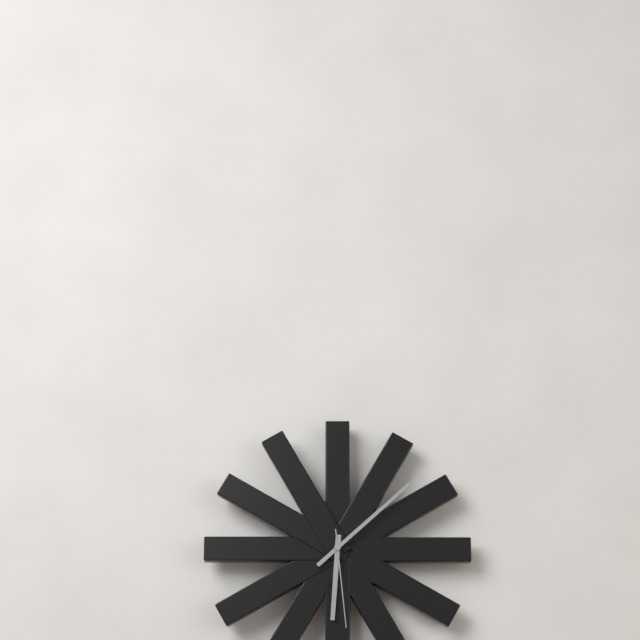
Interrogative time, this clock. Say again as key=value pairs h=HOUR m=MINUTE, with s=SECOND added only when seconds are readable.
h=6 m=8 s=29
